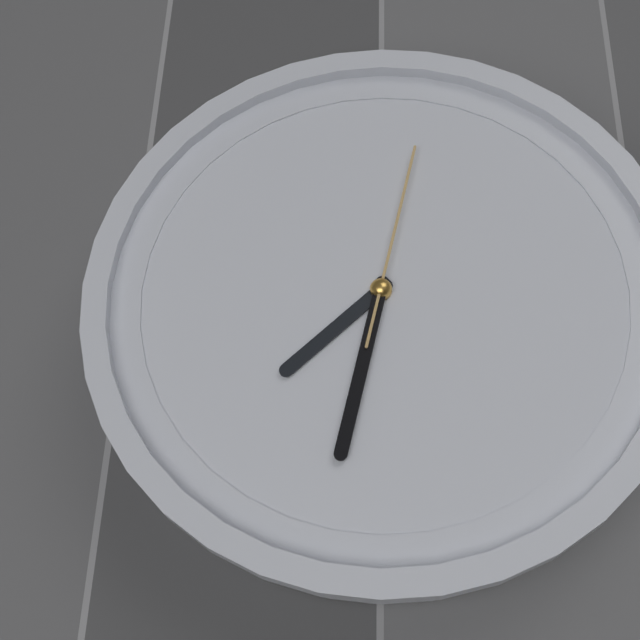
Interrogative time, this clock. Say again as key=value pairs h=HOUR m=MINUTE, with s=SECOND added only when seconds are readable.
h=7 m=32 s=2
